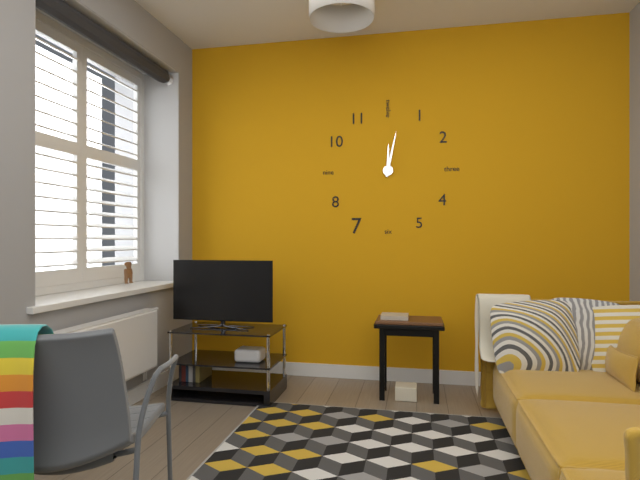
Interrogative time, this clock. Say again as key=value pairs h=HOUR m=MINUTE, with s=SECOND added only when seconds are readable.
h=12 m=2
